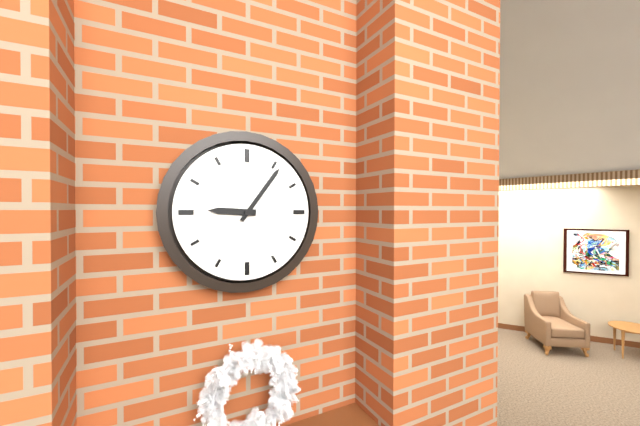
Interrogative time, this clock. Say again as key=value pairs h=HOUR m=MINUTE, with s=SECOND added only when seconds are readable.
h=9 m=6
